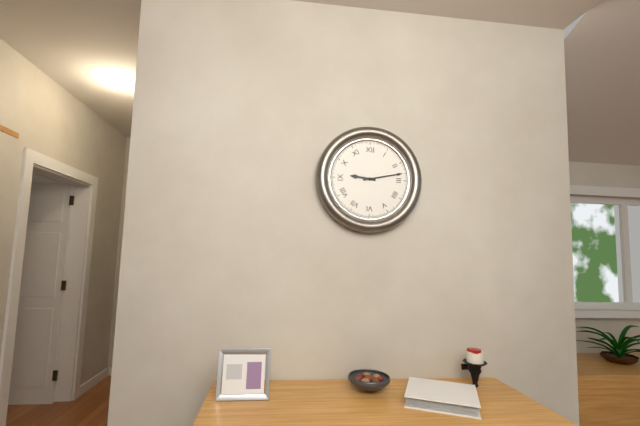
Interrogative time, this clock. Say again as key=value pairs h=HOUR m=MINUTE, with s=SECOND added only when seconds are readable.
h=9 m=13
